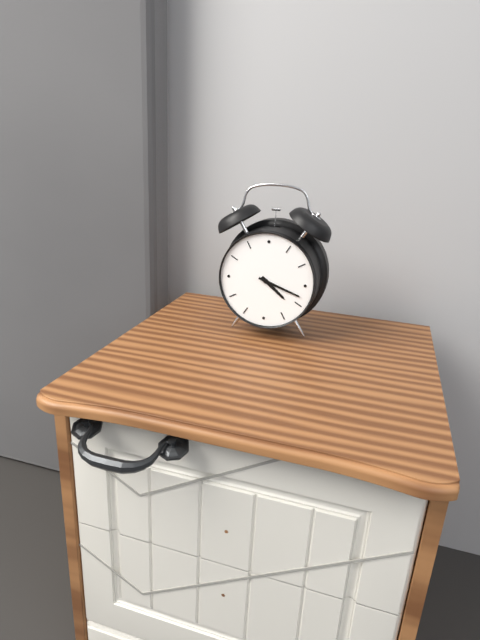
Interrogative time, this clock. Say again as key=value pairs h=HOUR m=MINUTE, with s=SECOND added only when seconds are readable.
h=4 m=18
